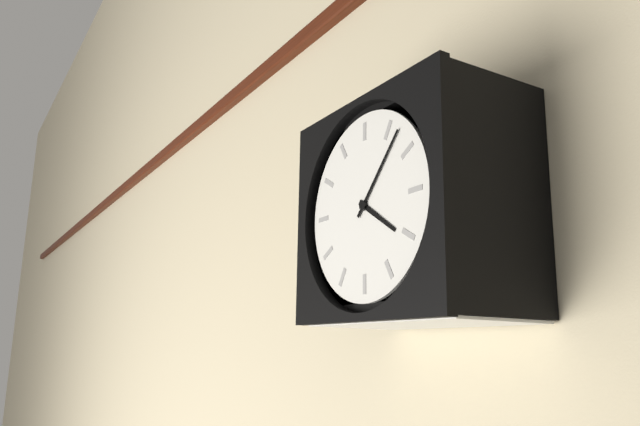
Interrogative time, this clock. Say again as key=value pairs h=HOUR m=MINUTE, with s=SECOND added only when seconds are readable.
h=4 m=7
